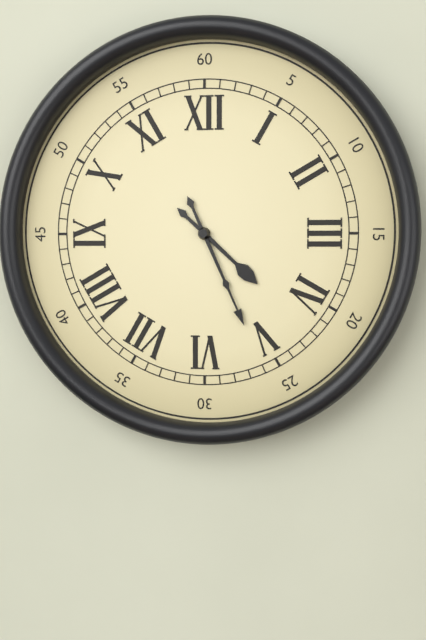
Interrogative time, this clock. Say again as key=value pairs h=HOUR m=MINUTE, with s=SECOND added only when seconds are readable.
h=4 m=26
